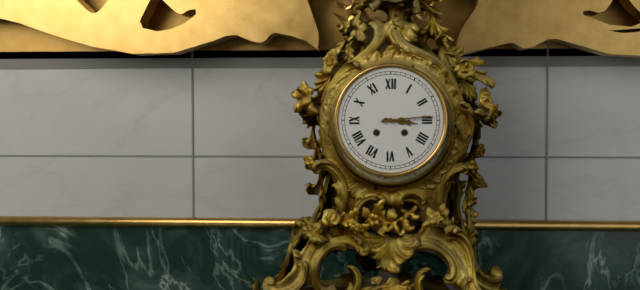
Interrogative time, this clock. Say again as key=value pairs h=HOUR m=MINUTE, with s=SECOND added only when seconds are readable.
h=3 m=14
